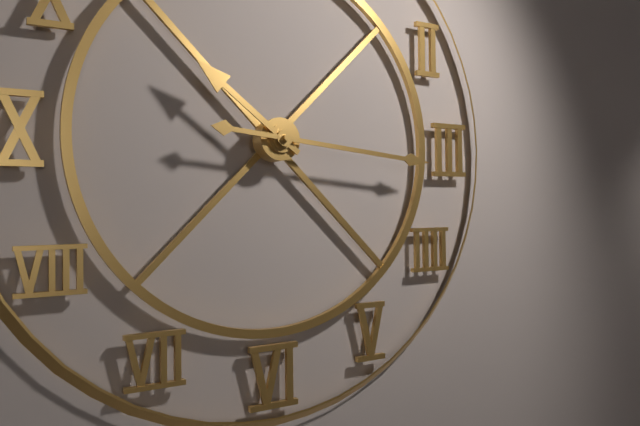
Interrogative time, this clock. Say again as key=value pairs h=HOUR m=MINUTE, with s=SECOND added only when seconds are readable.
h=10 m=16
